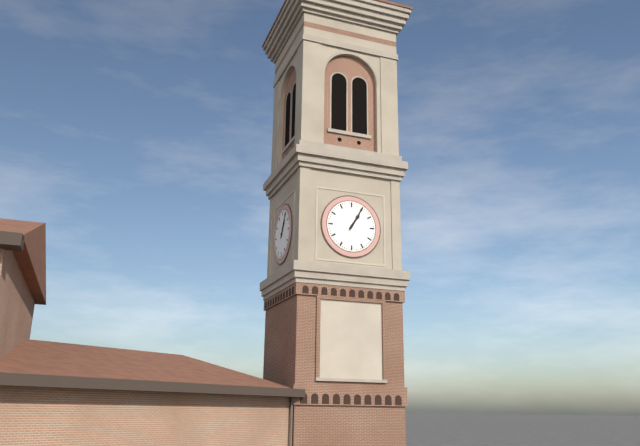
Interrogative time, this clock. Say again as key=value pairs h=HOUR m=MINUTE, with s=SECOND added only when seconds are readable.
h=1 m=5
